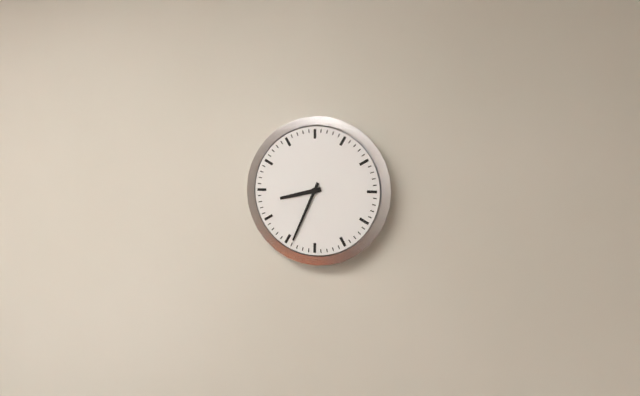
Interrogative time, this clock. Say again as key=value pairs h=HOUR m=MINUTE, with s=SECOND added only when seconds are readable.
h=8 m=34
